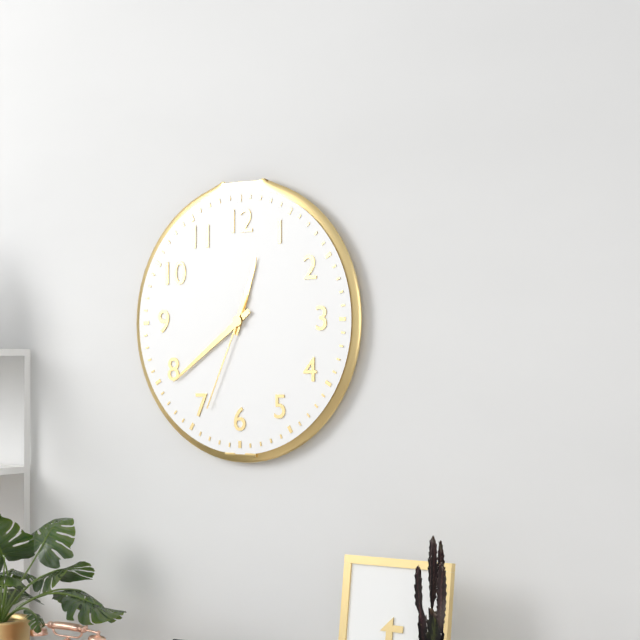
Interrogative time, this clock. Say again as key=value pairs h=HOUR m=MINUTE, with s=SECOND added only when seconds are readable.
h=12 m=39 s=34
